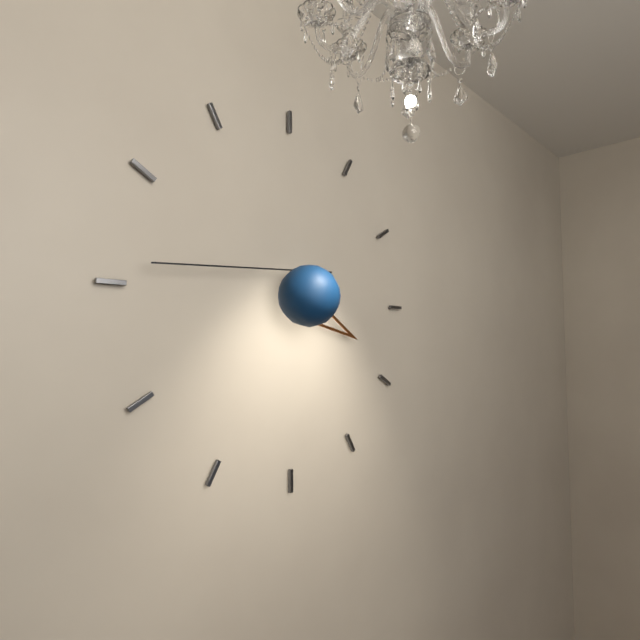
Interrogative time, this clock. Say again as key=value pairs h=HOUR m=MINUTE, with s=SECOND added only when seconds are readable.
h=3 m=46
